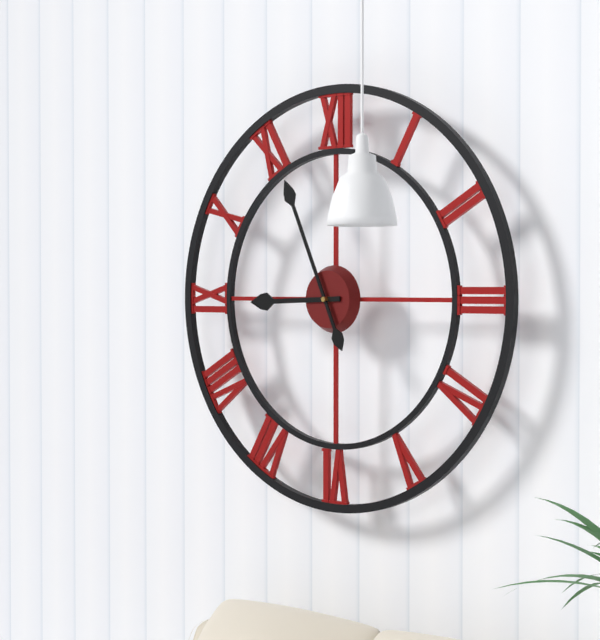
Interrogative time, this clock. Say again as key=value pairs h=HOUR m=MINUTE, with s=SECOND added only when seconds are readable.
h=8 m=56
